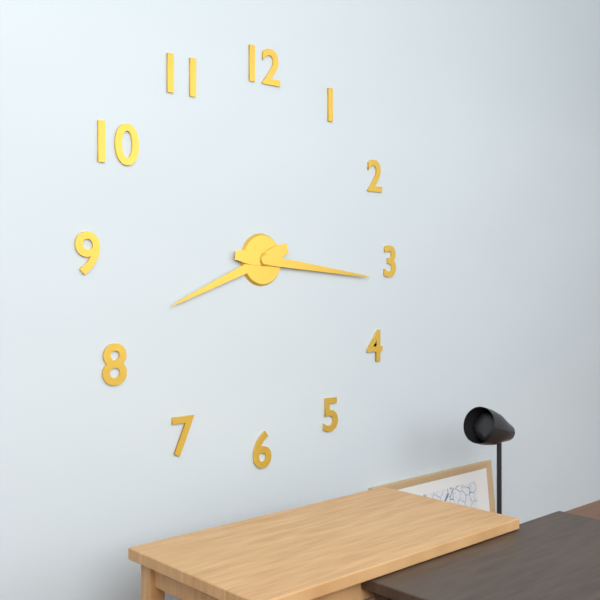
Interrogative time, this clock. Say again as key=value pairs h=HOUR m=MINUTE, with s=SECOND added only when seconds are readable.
h=8 m=16
